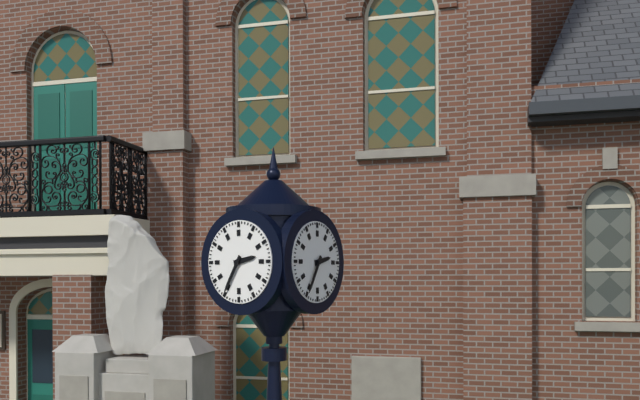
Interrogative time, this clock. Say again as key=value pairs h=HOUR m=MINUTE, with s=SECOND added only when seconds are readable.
h=2 m=35
